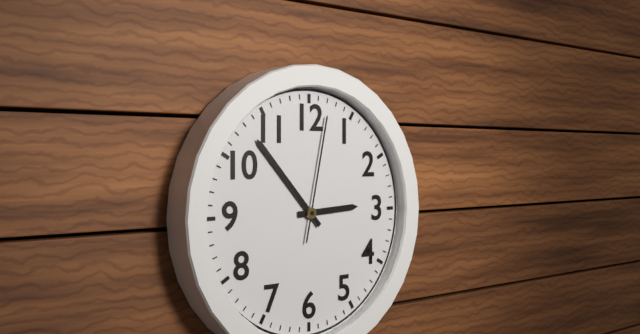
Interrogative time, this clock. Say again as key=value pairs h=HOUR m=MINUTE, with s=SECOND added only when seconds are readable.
h=2 m=53 s=2
